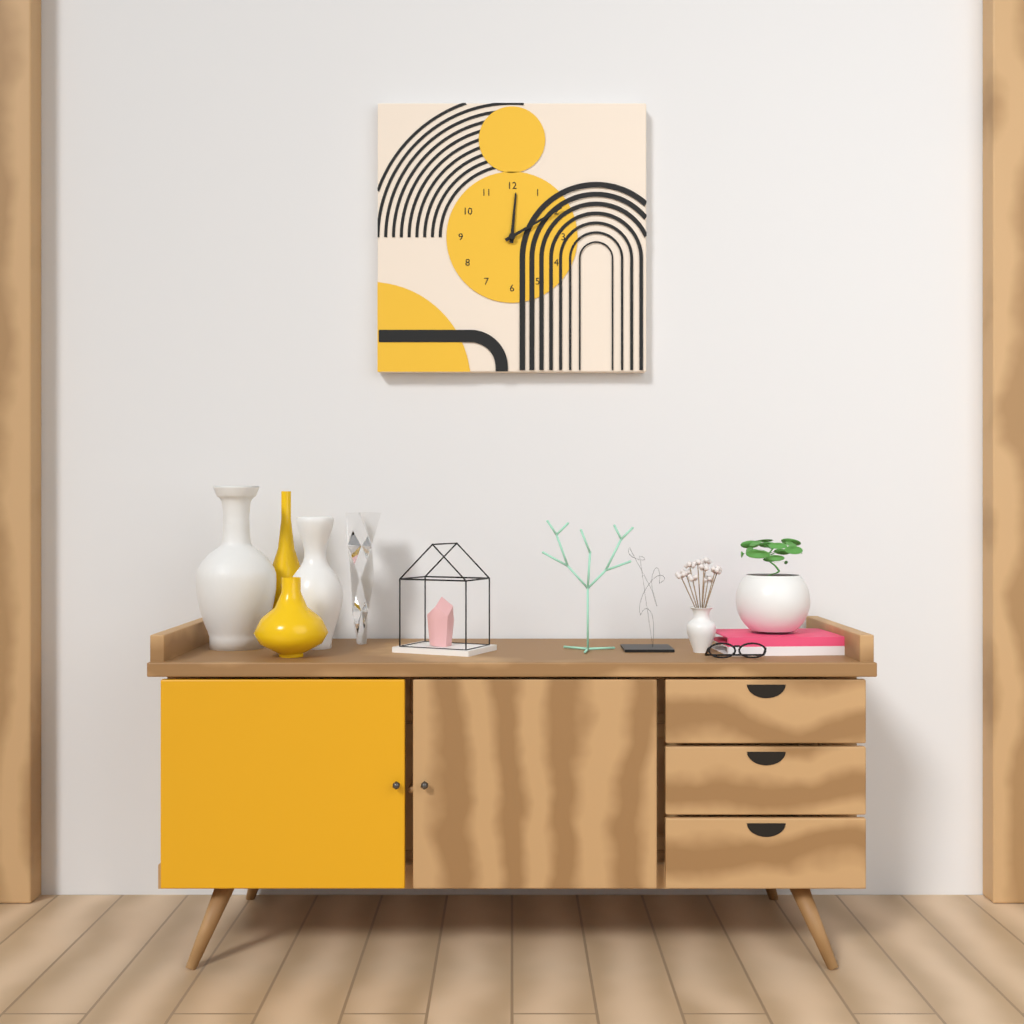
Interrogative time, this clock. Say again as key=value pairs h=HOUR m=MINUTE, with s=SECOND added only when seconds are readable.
h=12 m=10
